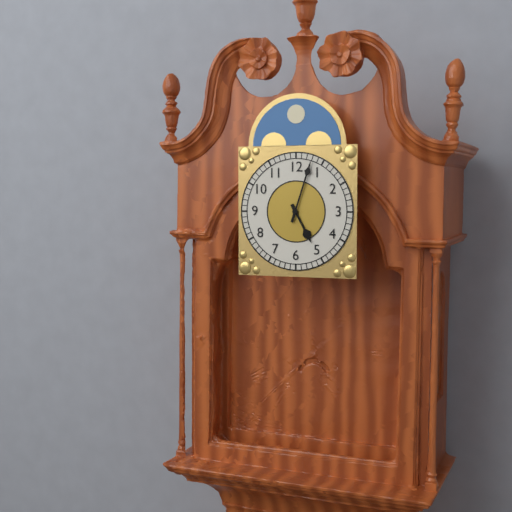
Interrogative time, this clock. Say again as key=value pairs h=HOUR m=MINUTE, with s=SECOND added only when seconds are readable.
h=5 m=3
